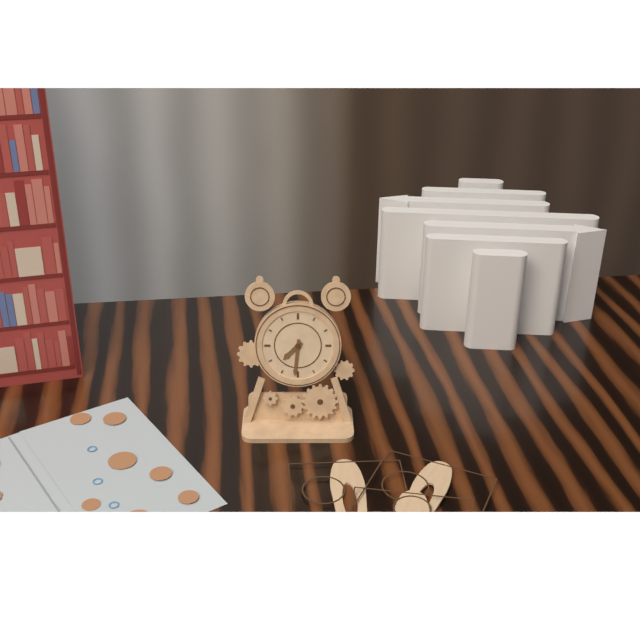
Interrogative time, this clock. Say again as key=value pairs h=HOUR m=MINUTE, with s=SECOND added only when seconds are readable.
h=7 m=31
